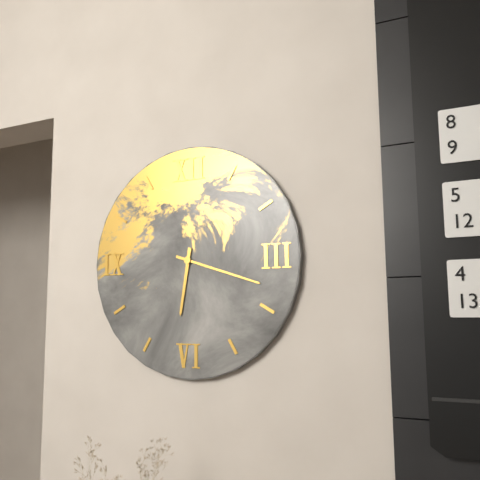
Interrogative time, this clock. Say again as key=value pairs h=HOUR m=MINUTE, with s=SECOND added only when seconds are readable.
h=6 m=18
